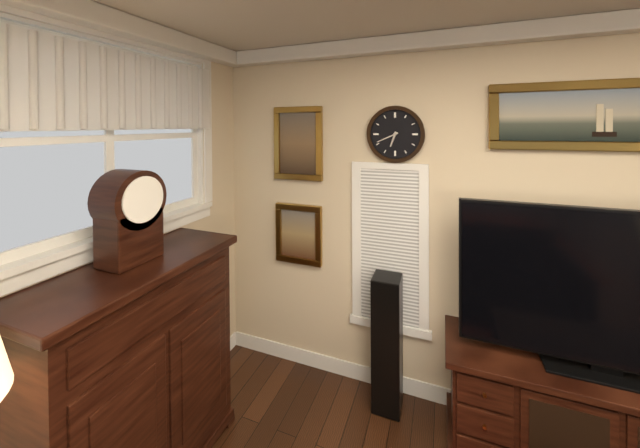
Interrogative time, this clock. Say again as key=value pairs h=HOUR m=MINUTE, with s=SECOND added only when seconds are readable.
h=6 m=41
